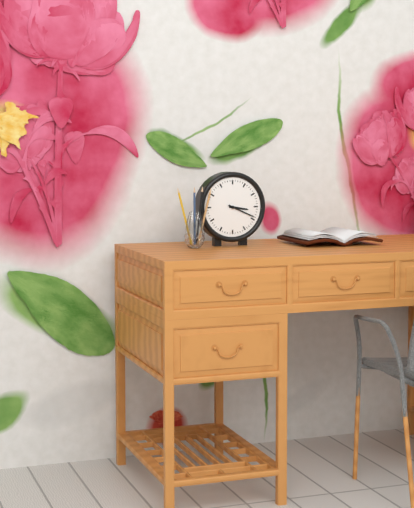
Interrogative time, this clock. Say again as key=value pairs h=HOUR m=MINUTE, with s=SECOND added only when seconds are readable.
h=3 m=19
